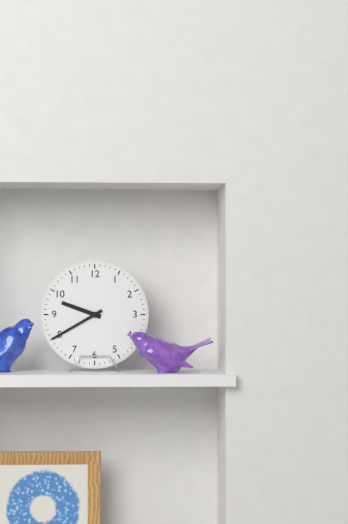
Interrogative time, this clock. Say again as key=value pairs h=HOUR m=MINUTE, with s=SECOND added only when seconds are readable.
h=9 m=40
